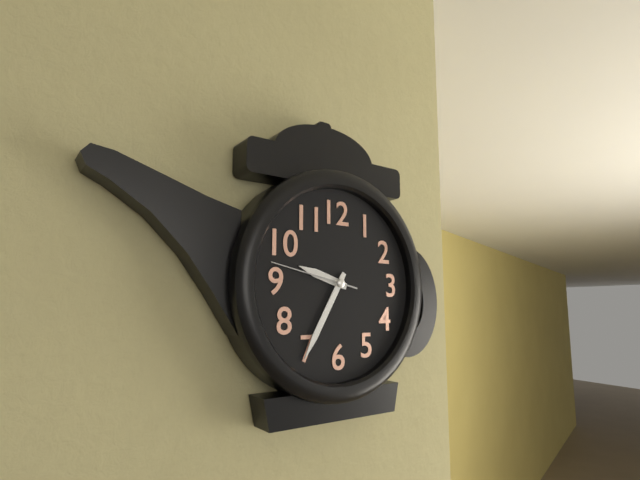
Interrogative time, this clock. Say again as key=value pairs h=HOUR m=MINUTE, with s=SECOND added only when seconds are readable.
h=9 m=35 s=47
